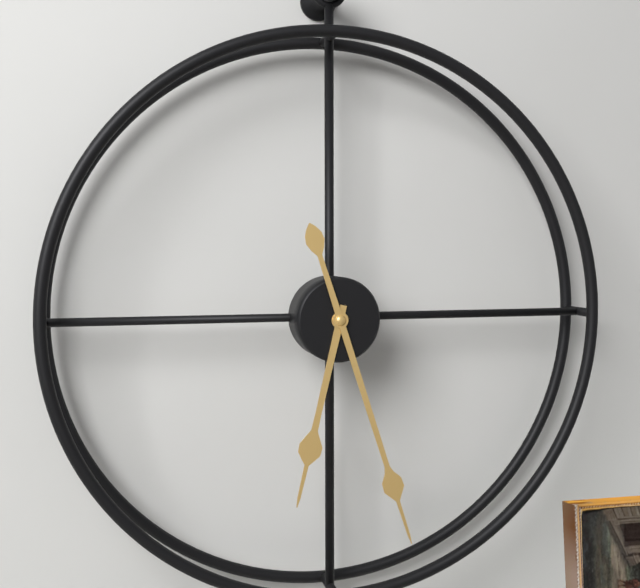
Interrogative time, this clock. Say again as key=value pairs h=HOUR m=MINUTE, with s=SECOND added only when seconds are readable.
h=6 m=27
